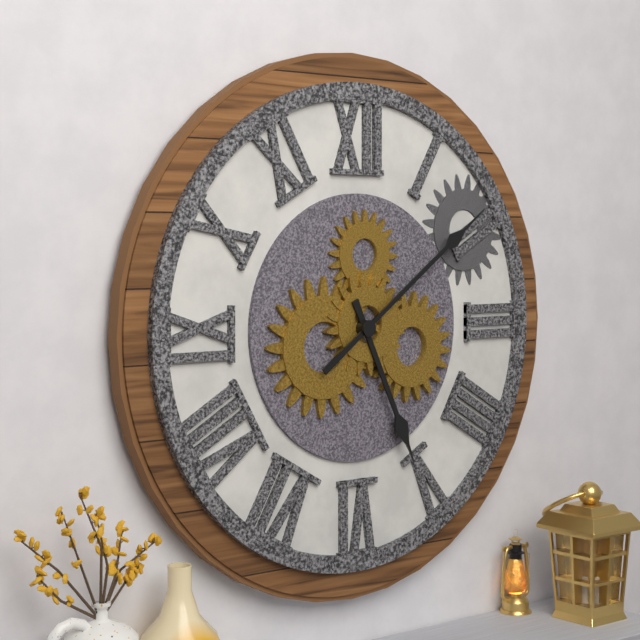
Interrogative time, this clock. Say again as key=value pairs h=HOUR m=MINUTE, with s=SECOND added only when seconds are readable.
h=5 m=9
